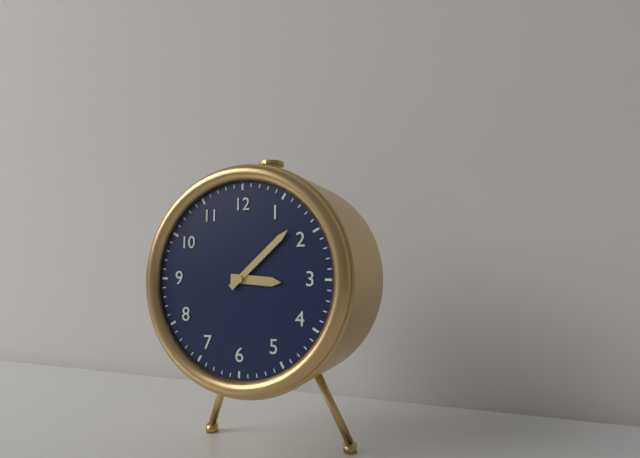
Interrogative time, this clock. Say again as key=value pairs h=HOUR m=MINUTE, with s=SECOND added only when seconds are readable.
h=3 m=8
